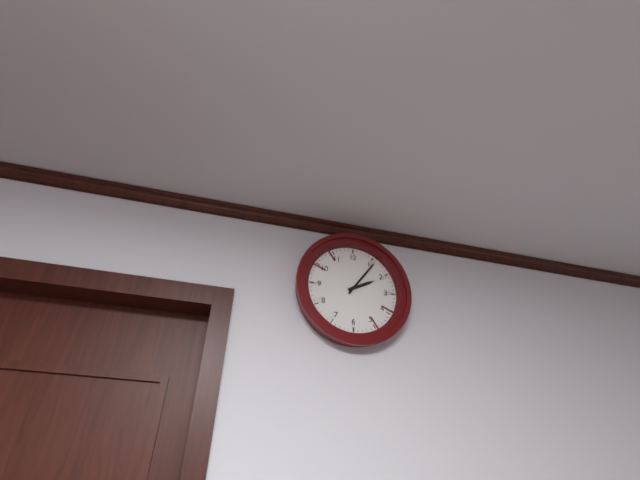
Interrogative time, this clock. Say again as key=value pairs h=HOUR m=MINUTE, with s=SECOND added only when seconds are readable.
h=2 m=6
